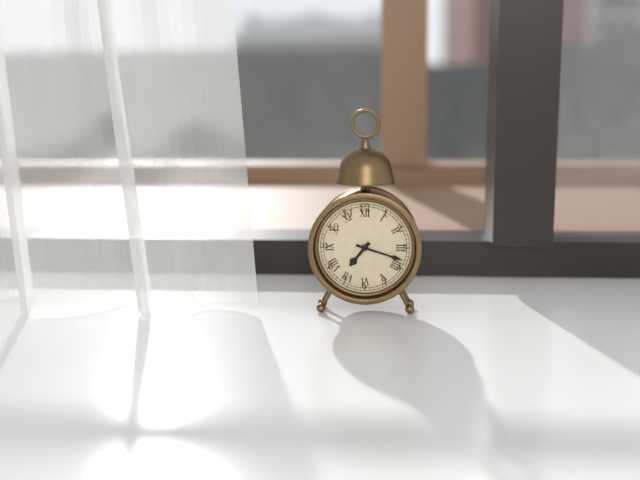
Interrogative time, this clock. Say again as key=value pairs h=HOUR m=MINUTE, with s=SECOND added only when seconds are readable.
h=7 m=18
